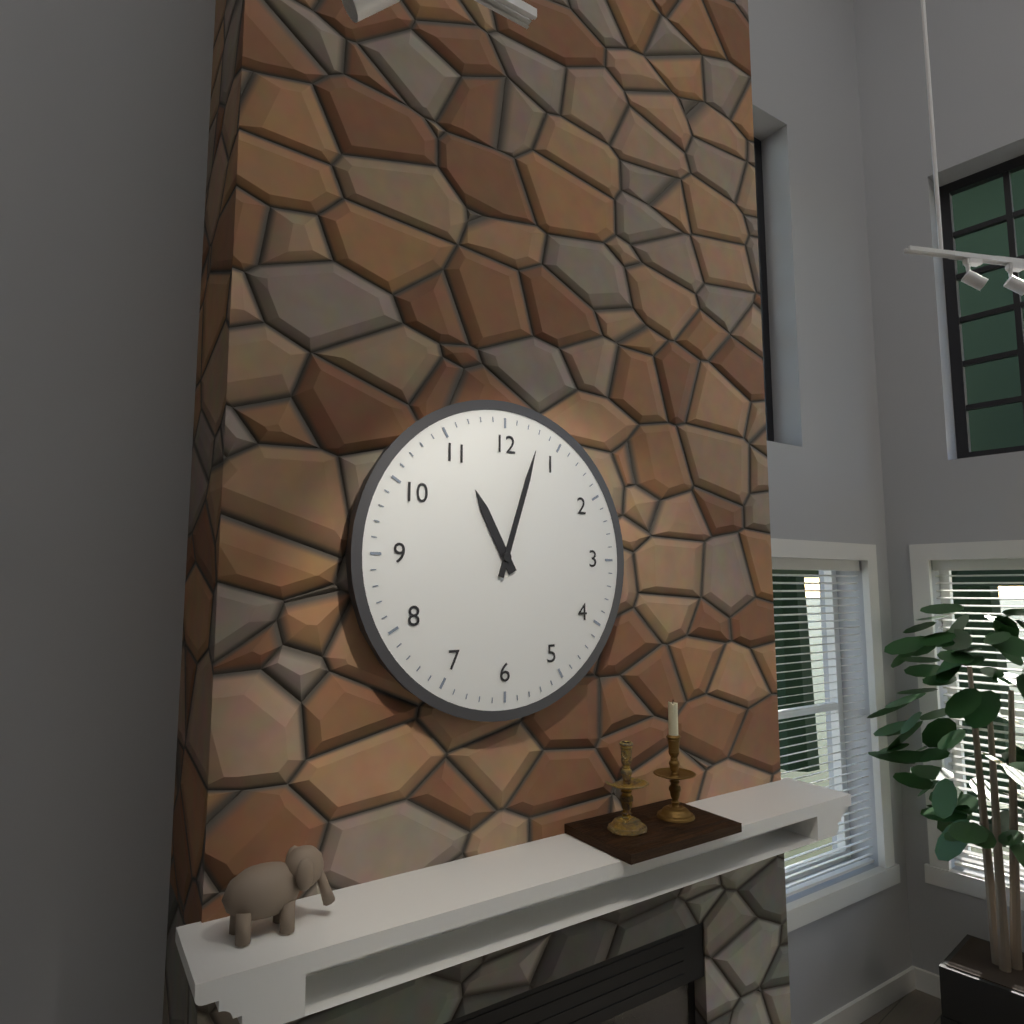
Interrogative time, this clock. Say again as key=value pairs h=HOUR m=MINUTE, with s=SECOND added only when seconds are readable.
h=11 m=3
